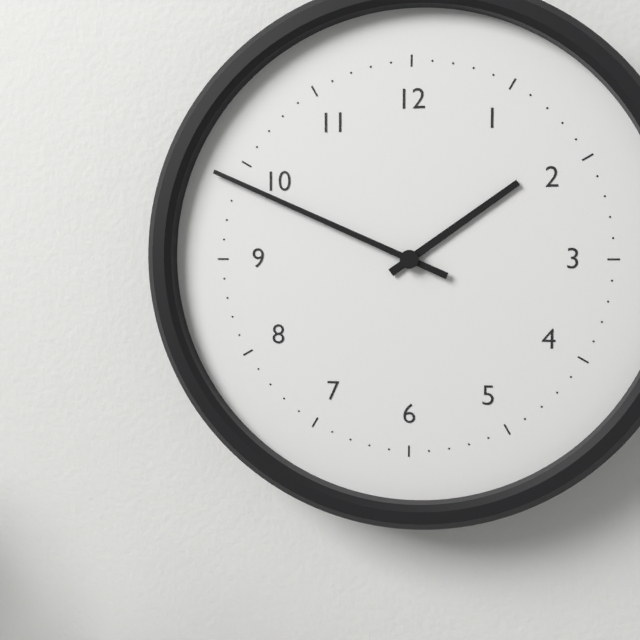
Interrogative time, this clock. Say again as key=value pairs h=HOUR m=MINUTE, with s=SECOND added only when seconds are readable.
h=1 m=49
